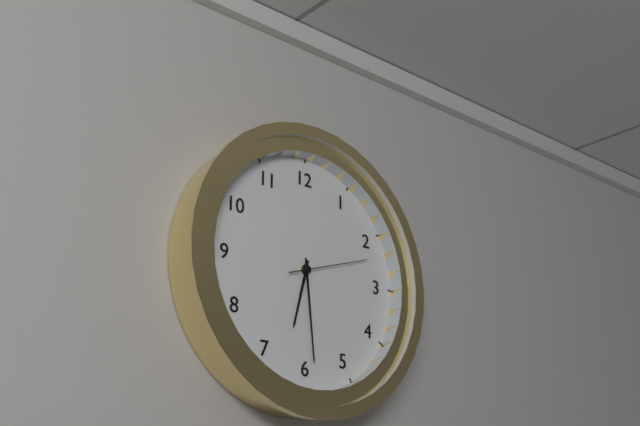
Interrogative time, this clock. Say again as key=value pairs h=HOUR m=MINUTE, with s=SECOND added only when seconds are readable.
h=6 m=29 s=12
